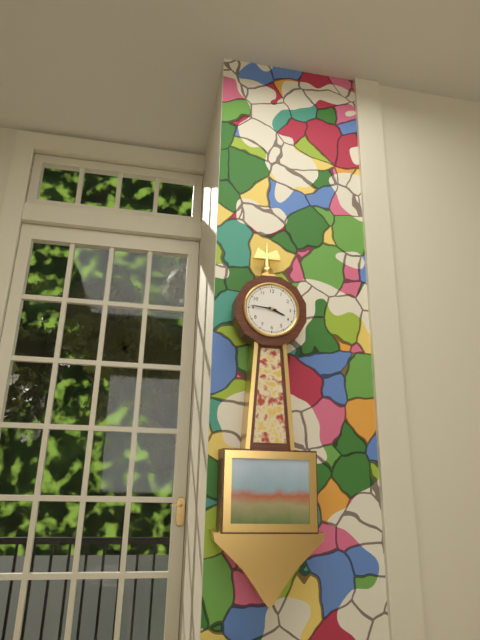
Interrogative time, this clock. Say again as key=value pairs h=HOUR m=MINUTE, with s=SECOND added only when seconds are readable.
h=3 m=46
